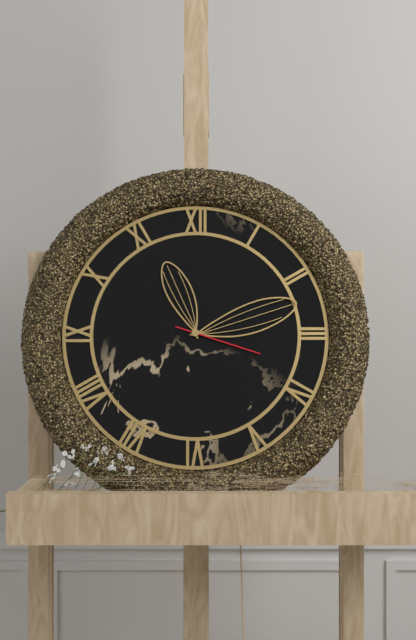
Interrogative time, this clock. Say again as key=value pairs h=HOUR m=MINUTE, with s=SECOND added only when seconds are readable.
h=11 m=12 s=18
